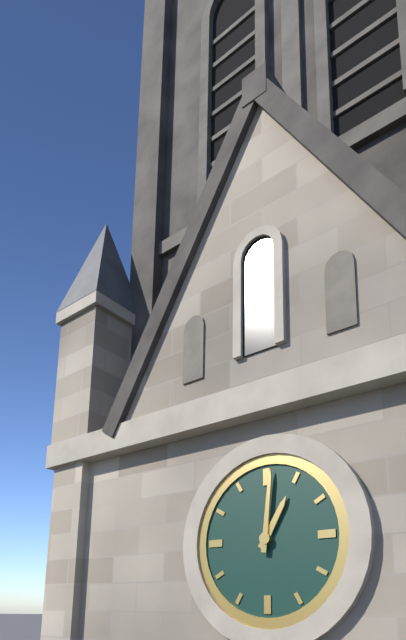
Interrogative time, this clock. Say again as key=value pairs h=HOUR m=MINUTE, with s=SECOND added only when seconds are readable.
h=1 m=1
